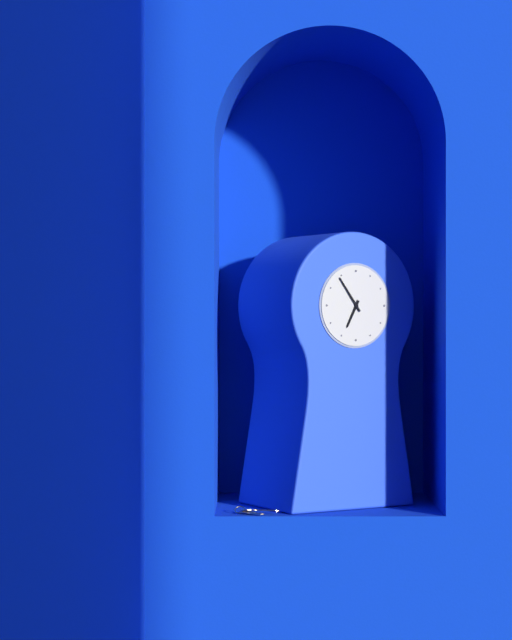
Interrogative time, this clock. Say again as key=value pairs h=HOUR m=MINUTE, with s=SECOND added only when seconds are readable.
h=6 m=54
